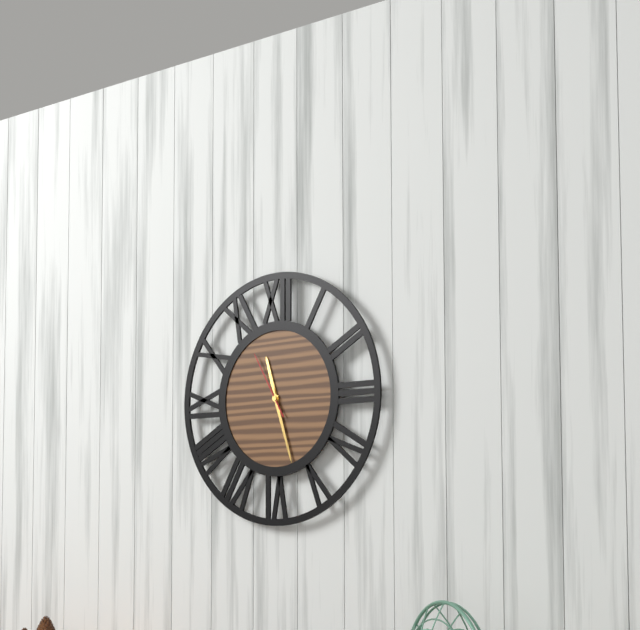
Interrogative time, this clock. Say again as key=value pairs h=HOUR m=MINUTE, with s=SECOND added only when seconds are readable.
h=11 m=27 s=55
